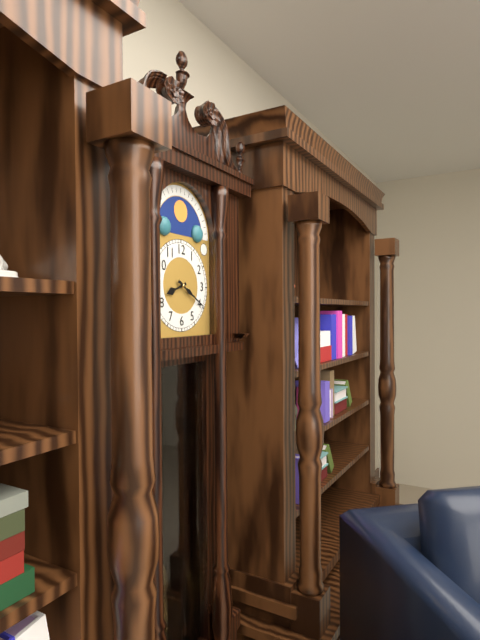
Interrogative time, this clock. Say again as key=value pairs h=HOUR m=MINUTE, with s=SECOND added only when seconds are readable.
h=8 m=20
